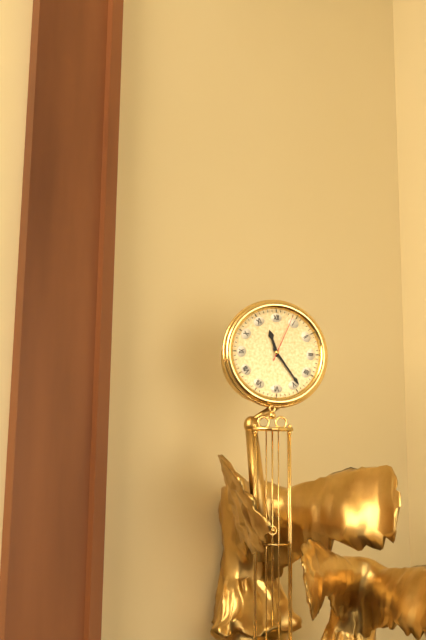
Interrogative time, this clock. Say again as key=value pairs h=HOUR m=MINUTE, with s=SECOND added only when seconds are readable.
h=11 m=24
